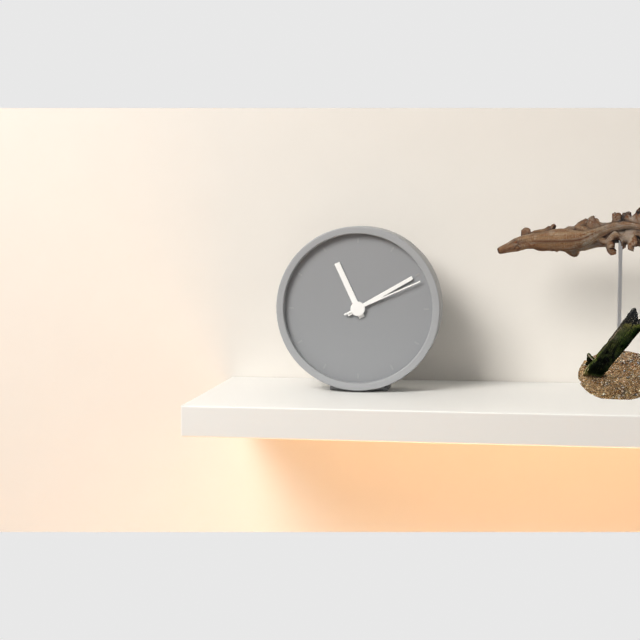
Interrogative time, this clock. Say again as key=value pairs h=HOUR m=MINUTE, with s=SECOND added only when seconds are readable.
h=11 m=10 s=11
